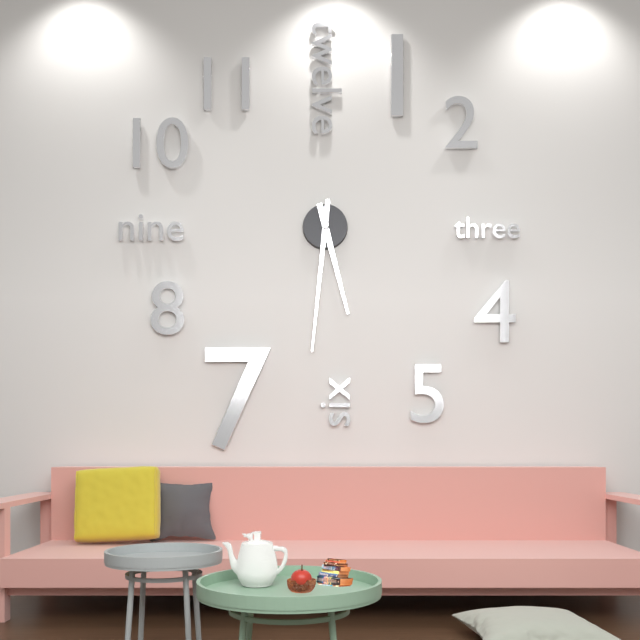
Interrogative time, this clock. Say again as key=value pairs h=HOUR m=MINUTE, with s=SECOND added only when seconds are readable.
h=5 m=31
